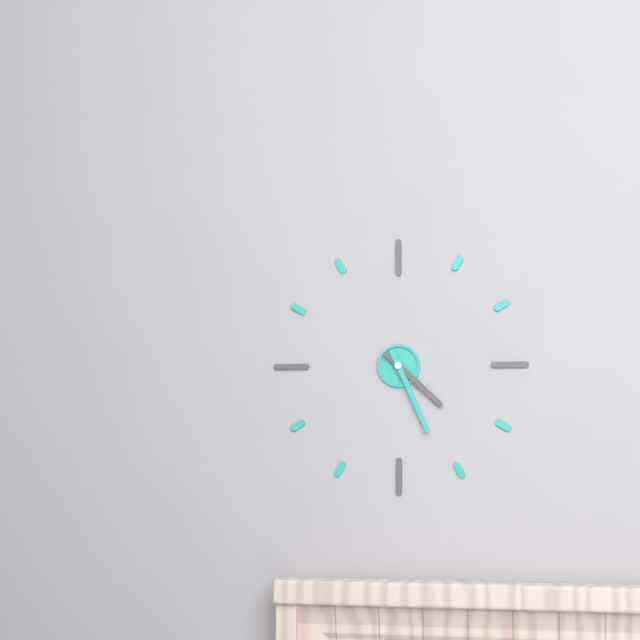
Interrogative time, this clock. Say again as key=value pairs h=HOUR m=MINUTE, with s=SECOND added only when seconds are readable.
h=4 m=26
